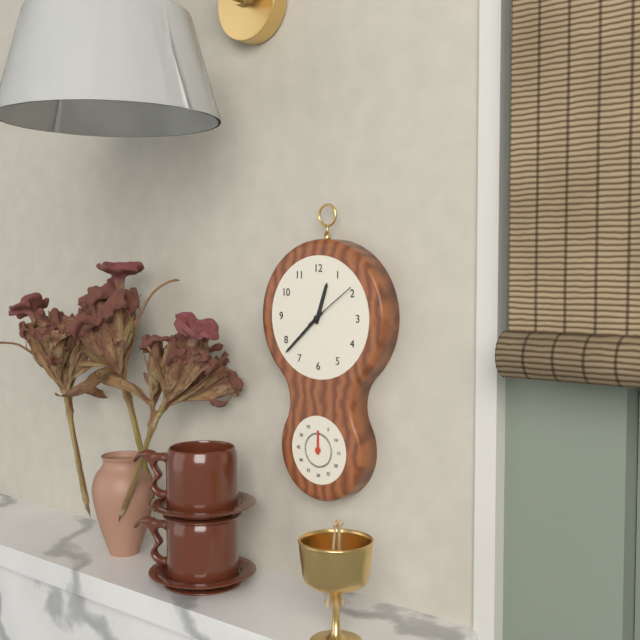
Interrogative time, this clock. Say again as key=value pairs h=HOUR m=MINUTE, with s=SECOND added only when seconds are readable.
h=12 m=38 s=9
